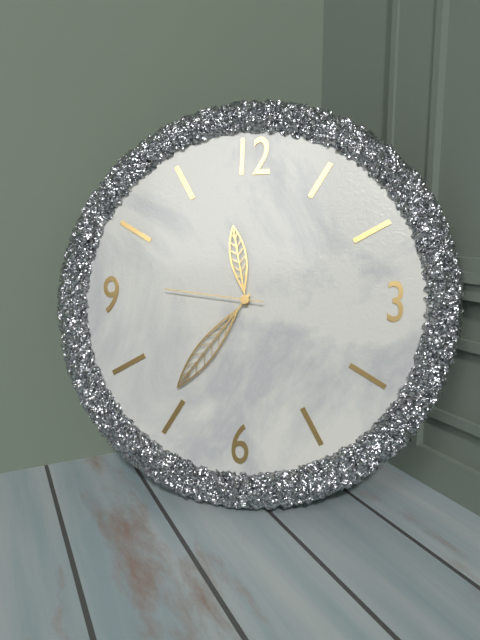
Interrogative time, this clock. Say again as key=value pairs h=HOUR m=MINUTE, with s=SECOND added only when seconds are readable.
h=11 m=36 s=46
